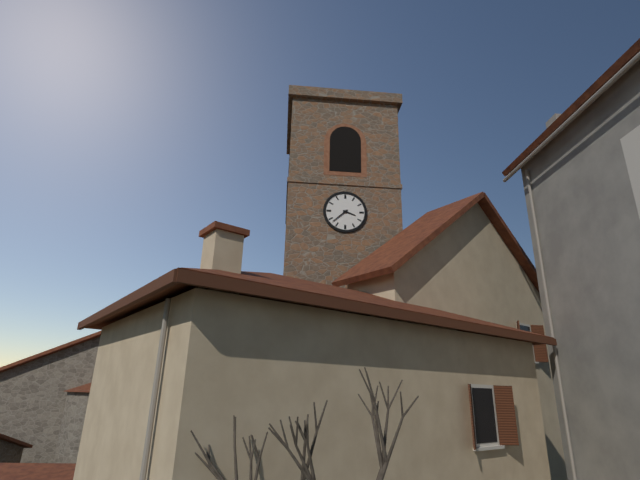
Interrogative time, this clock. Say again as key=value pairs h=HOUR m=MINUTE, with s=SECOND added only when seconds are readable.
h=3 m=38
